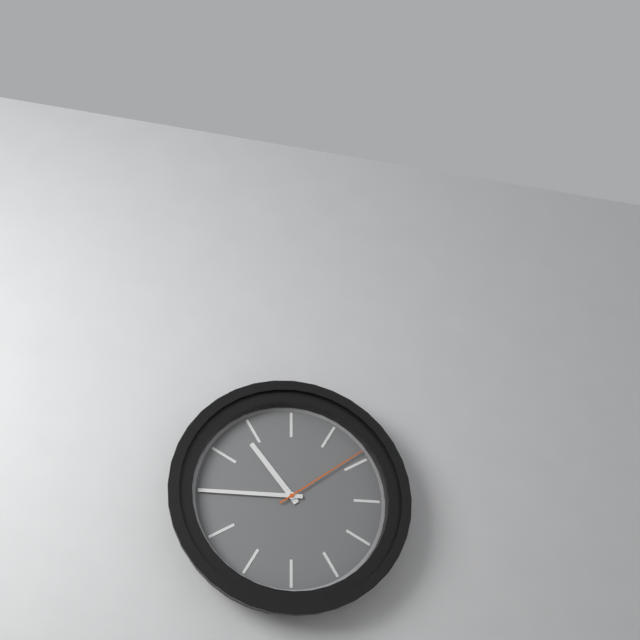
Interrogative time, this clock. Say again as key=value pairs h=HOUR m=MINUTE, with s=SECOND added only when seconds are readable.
h=10 m=45 s=9
